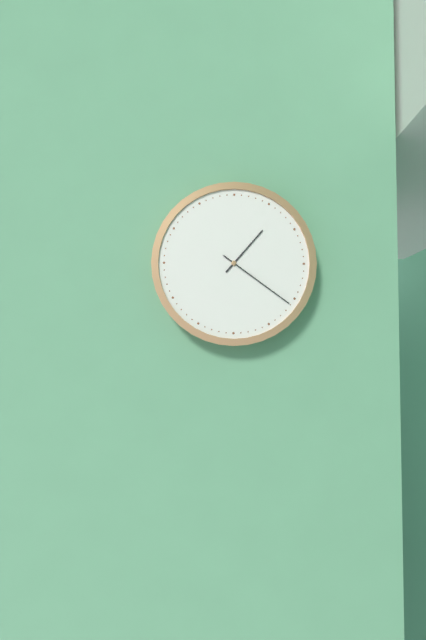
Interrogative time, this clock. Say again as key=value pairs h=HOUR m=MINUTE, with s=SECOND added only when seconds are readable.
h=1 m=21
